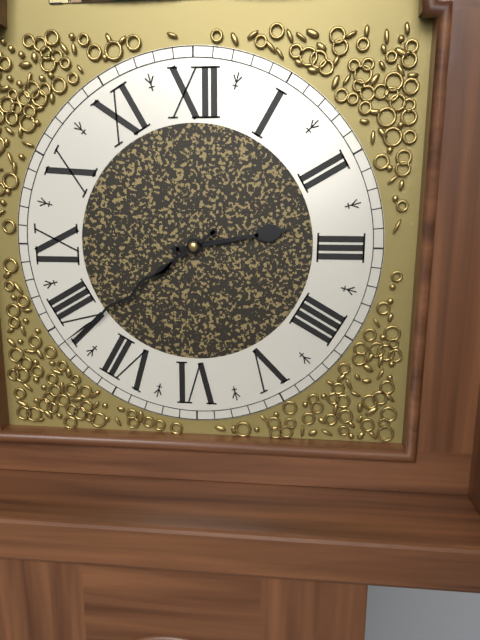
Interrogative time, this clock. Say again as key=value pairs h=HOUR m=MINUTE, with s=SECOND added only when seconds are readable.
h=2 m=39
